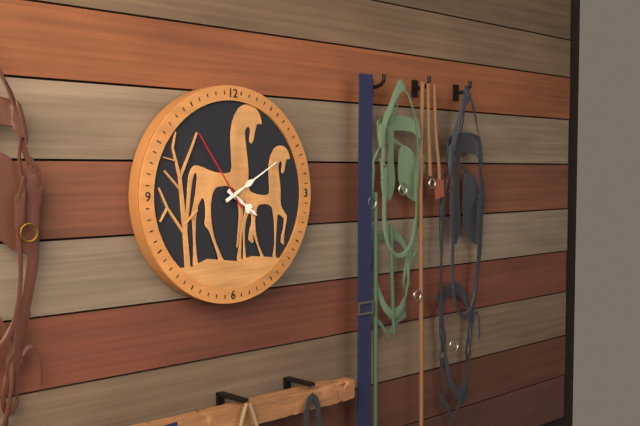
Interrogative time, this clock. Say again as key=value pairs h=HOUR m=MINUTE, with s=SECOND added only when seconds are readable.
h=4 m=10 s=54
